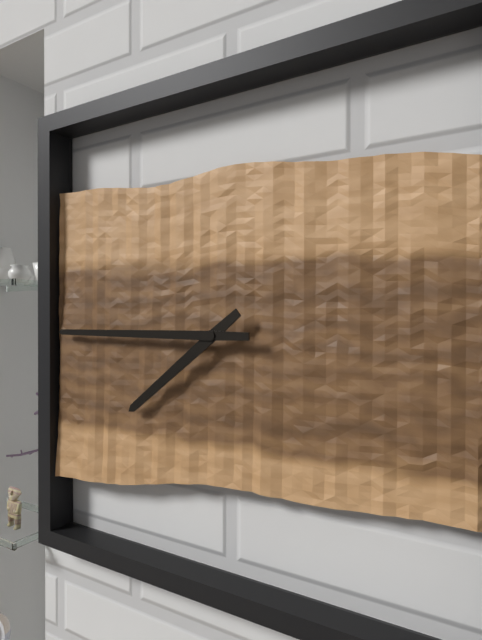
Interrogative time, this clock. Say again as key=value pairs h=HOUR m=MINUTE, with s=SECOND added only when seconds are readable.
h=7 m=45
